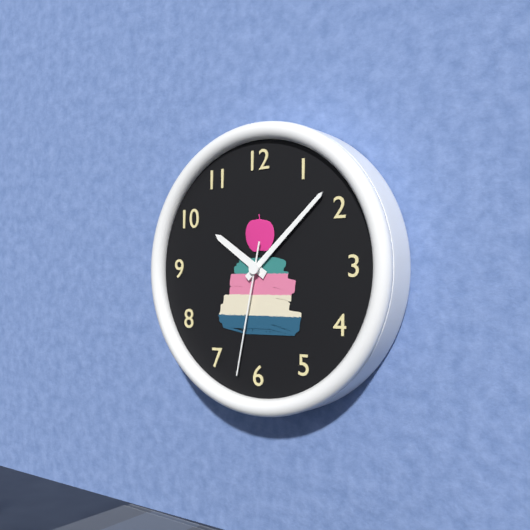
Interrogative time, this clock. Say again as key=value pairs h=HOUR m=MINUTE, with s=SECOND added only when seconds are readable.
h=10 m=8 s=32
